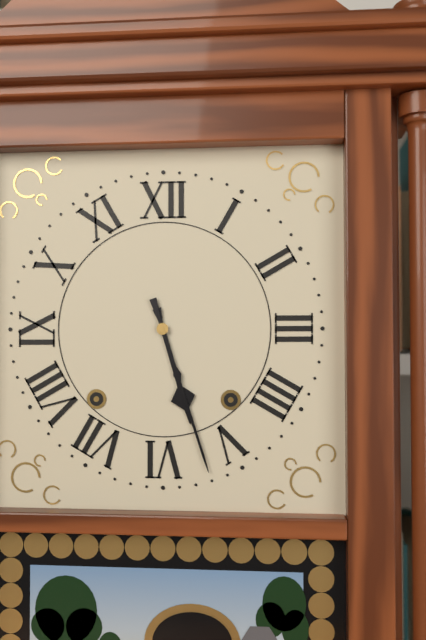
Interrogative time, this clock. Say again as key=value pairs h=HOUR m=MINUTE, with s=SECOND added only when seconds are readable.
h=5 m=27
